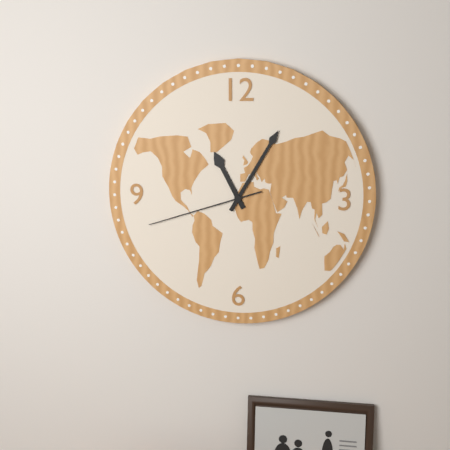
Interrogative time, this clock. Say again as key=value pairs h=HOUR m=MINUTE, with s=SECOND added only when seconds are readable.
h=11 m=5 s=42
